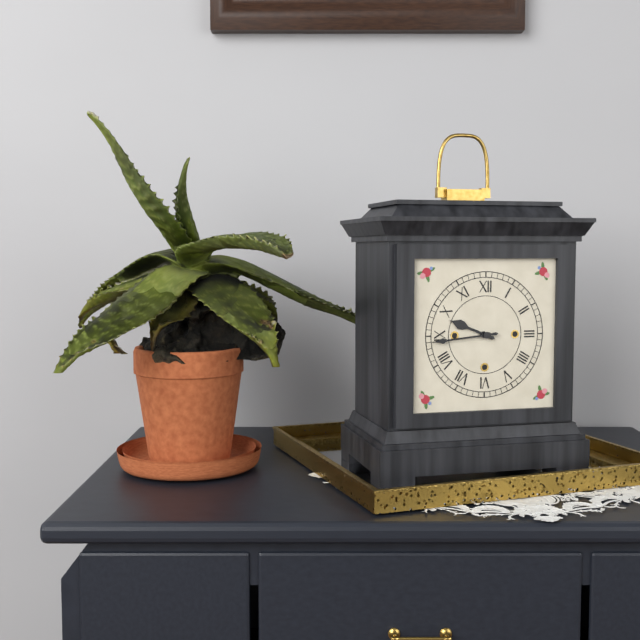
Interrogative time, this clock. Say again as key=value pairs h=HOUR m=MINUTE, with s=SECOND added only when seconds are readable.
h=9 m=44
